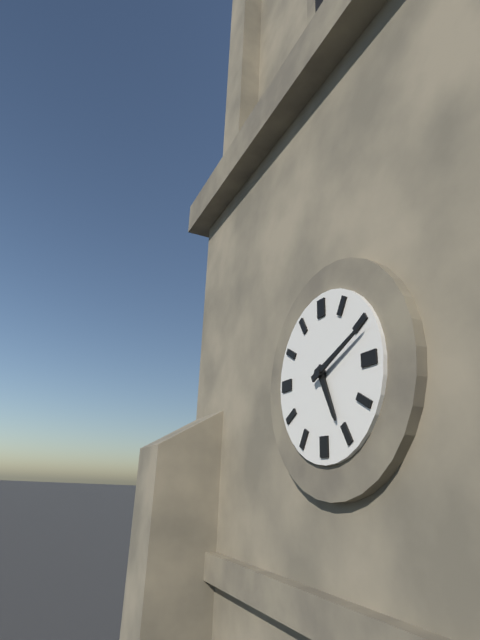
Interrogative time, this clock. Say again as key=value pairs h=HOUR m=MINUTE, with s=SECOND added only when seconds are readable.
h=5 m=11
